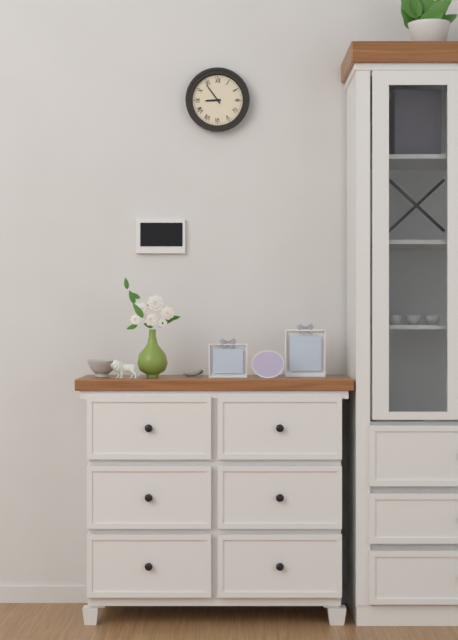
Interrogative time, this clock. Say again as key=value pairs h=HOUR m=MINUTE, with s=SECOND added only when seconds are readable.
h=8 m=54
